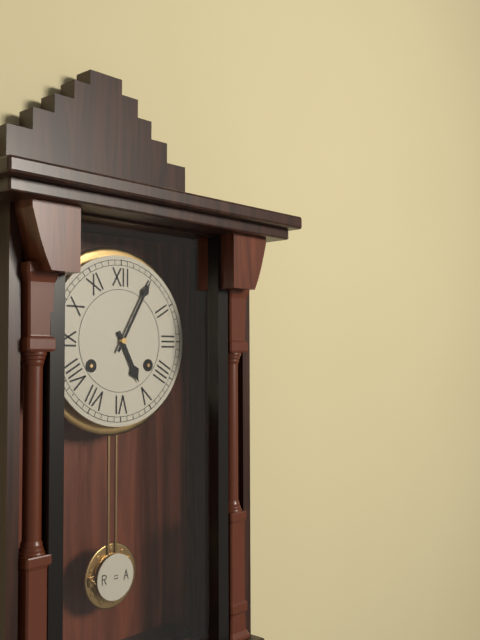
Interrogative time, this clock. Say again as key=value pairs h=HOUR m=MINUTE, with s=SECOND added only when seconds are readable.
h=5 m=5
